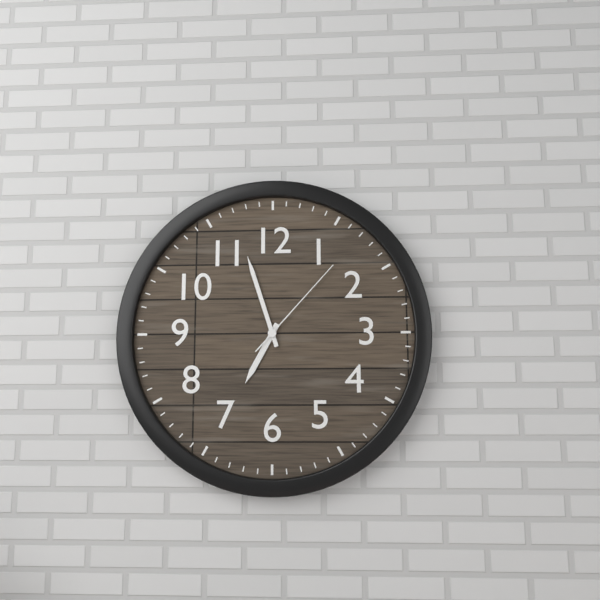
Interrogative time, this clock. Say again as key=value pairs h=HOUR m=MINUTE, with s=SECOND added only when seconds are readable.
h=6 m=57 s=7
